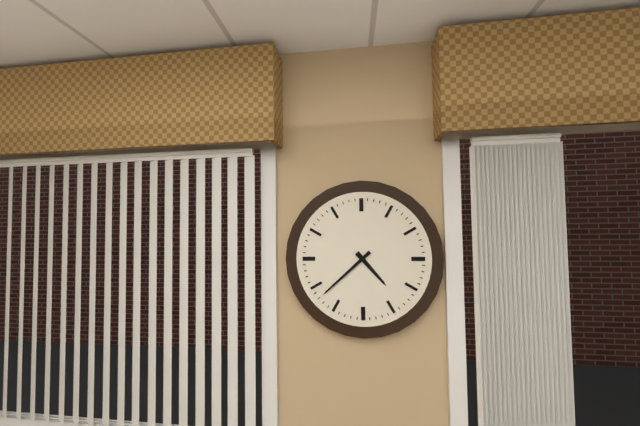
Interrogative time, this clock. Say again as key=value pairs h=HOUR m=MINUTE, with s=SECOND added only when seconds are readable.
h=4 m=38
